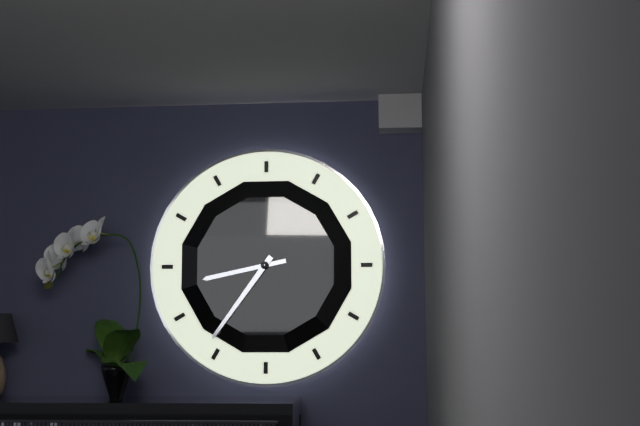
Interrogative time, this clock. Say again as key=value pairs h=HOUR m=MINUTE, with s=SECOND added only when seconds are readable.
h=8 m=36
